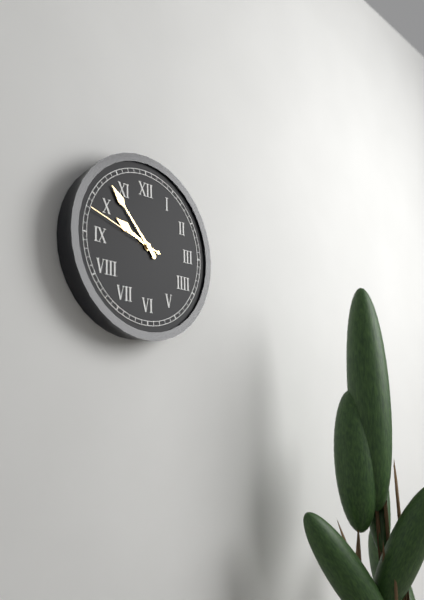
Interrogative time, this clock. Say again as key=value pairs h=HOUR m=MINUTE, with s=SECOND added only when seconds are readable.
h=9 m=53 s=48
